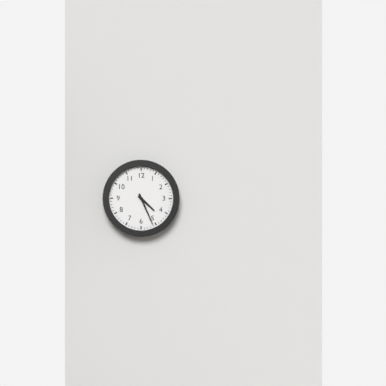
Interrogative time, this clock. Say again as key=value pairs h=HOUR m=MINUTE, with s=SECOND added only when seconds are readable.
h=4 m=26
